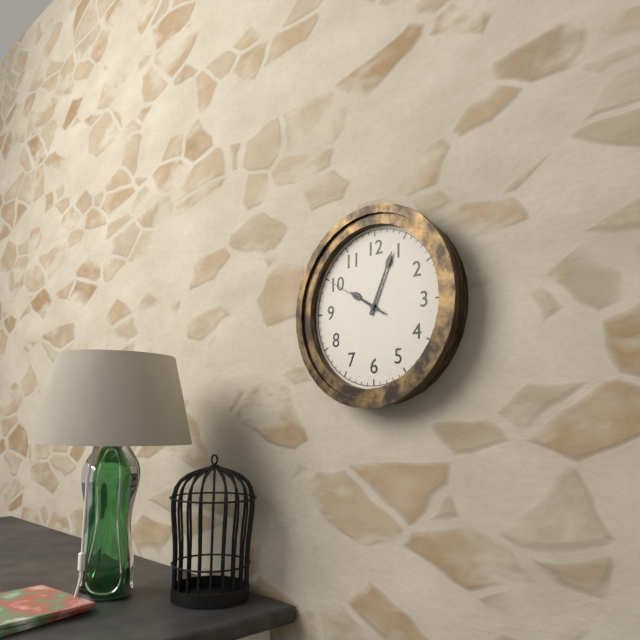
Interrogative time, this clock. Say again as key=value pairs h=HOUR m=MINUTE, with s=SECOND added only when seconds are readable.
h=10 m=4 s=50
